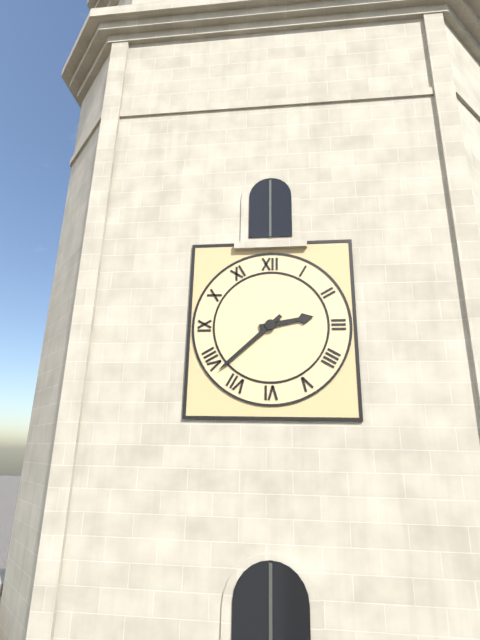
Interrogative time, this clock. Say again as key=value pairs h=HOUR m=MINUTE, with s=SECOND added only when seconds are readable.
h=2 m=38
